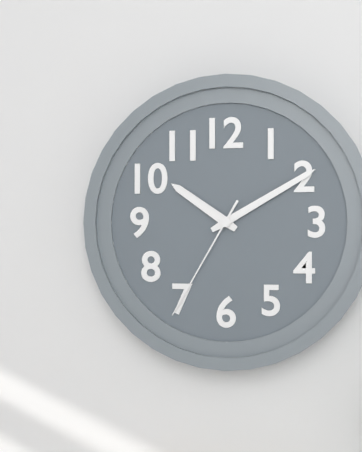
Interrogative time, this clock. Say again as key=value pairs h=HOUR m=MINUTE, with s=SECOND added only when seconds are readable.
h=10 m=10 s=35
